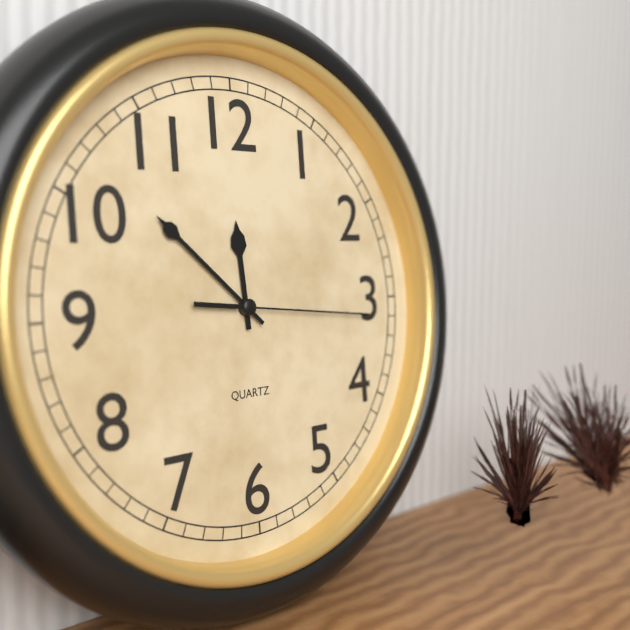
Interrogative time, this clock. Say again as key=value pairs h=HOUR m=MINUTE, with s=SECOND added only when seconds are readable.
h=11 m=52 s=16
